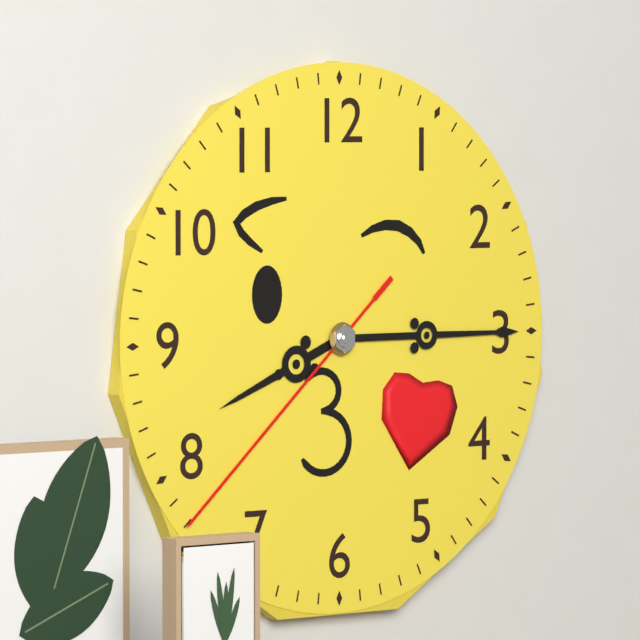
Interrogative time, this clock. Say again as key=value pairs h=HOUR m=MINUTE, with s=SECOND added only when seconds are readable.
h=8 m=15 s=38
